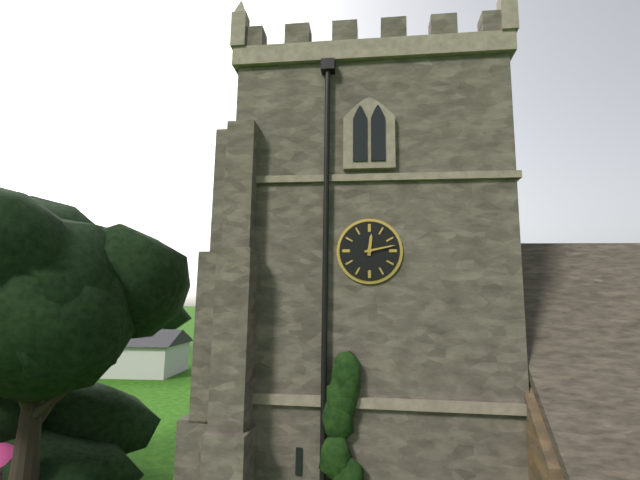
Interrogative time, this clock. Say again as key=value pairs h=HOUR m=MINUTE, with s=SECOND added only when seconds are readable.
h=12 m=13
